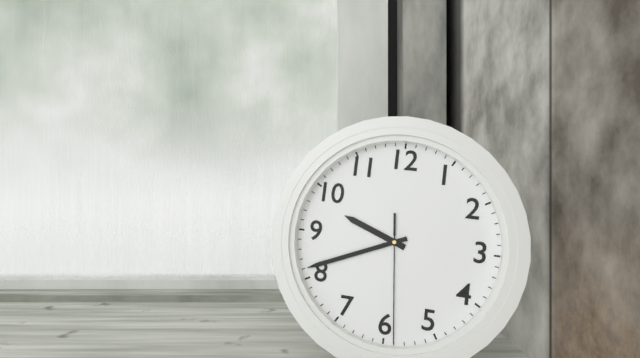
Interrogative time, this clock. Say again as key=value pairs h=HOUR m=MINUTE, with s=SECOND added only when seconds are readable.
h=9 m=41 s=29
